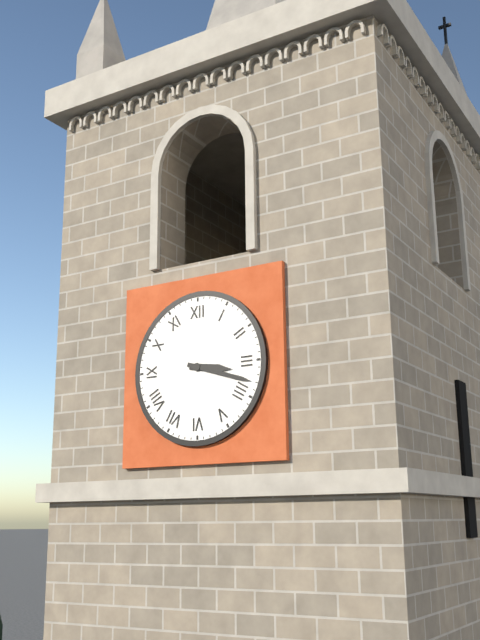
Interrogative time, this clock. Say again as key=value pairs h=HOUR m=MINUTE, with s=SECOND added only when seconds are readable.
h=3 m=18
